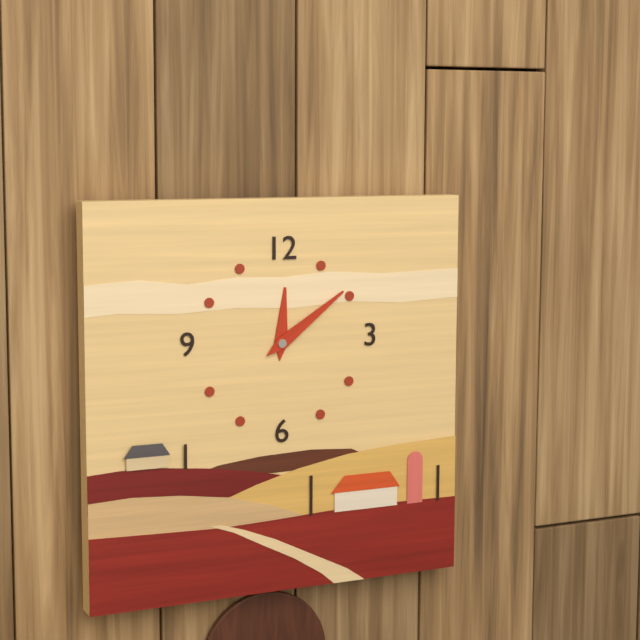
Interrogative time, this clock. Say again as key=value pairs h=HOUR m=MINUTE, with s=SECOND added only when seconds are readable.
h=12 m=9
